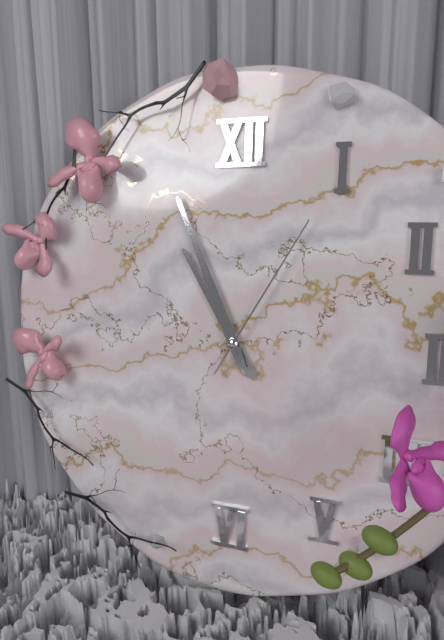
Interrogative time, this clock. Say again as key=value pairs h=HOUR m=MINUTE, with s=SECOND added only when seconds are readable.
h=10 m=56 s=5
